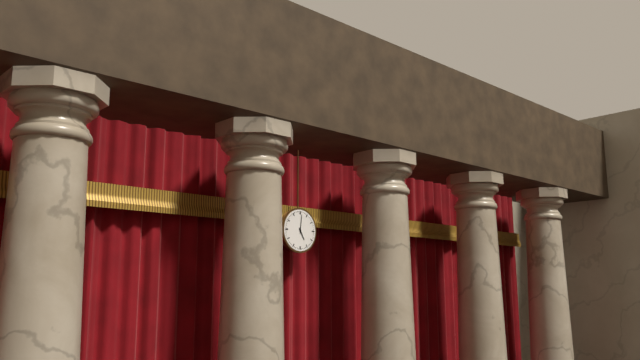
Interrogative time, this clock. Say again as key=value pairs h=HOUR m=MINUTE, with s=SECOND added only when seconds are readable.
h=5 m=1
